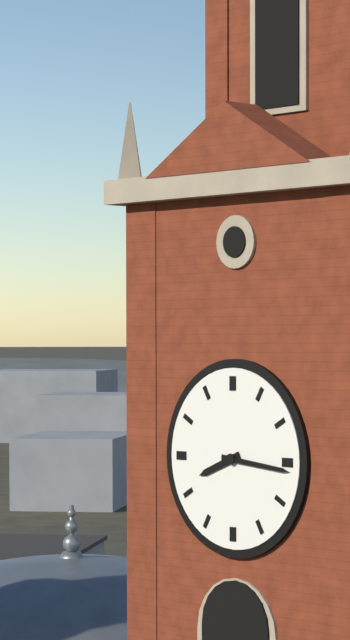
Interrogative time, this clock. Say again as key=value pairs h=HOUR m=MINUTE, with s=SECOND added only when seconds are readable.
h=8 m=16
